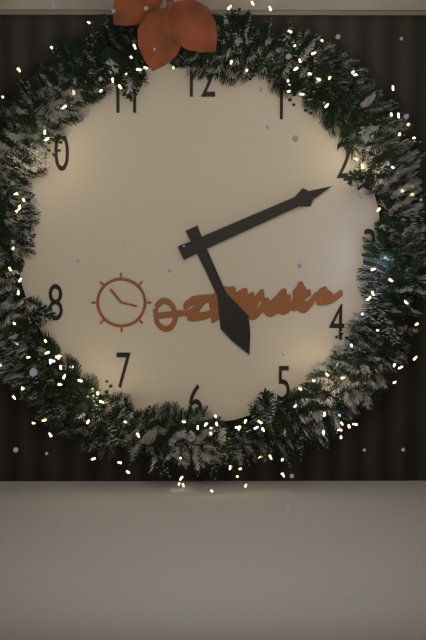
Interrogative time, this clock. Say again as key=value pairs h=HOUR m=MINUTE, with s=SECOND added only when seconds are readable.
h=5 m=11
